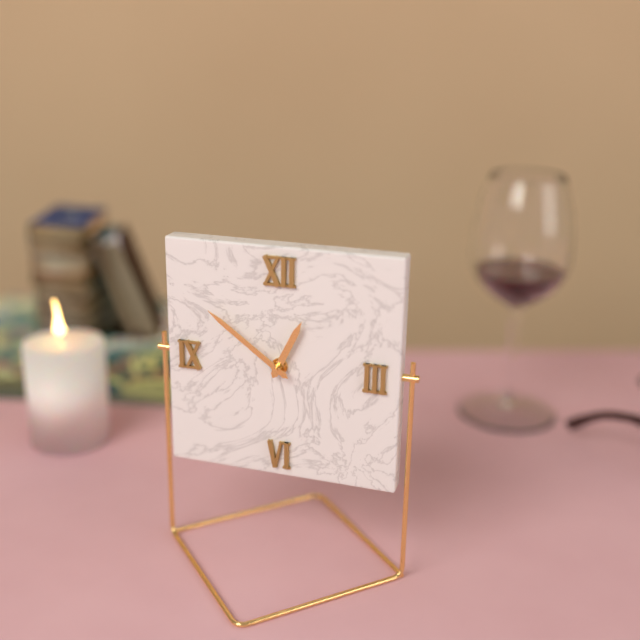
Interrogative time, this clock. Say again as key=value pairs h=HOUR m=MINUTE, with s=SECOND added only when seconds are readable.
h=12 m=51
